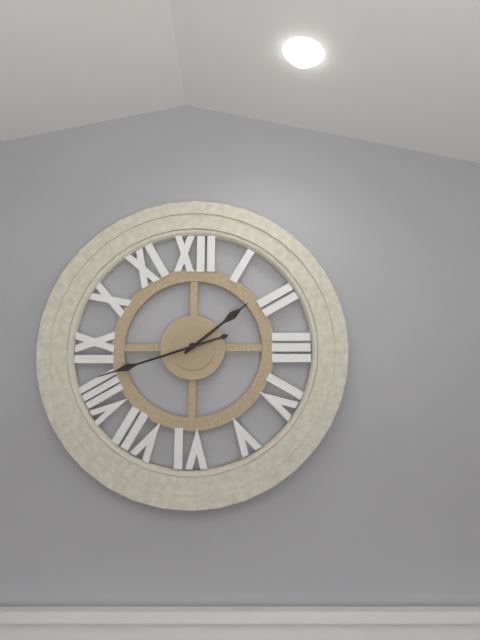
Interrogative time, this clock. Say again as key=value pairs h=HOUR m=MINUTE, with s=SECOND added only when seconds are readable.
h=1 m=42
